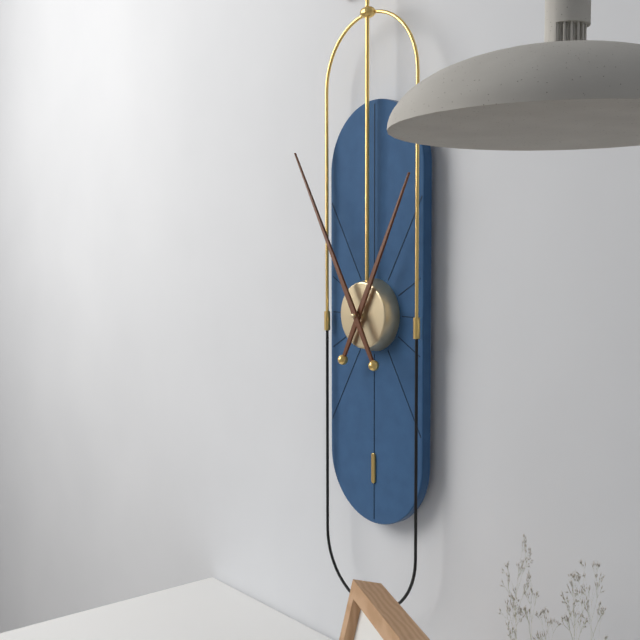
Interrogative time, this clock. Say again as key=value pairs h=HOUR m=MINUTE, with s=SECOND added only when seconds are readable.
h=12 m=55
